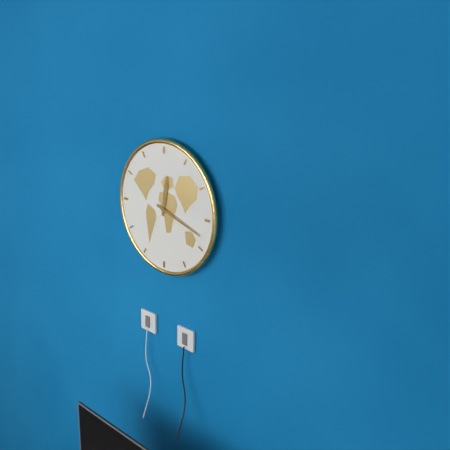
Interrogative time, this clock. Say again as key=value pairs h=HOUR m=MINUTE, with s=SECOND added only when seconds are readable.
h=12 m=18
